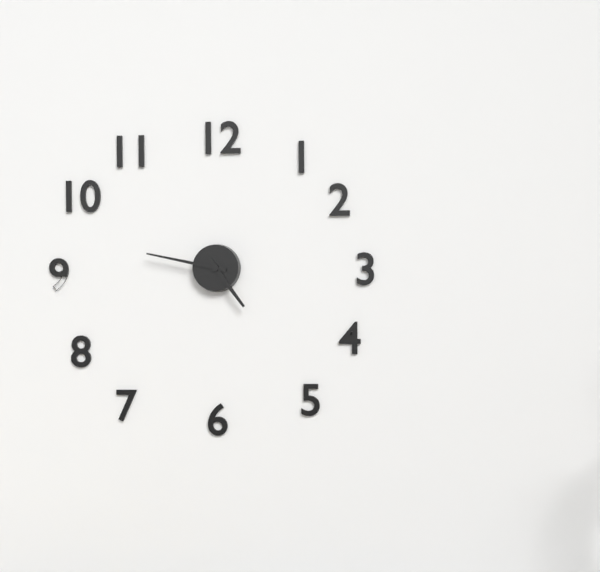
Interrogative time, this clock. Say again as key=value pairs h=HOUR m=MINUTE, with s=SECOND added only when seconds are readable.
h=4 m=47
